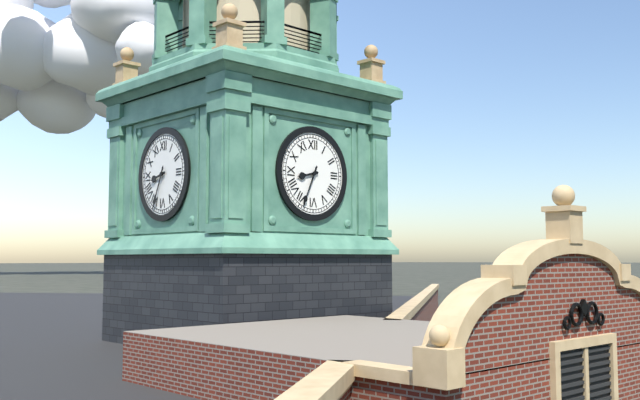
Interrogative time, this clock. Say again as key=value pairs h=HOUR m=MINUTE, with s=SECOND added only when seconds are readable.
h=8 m=34
